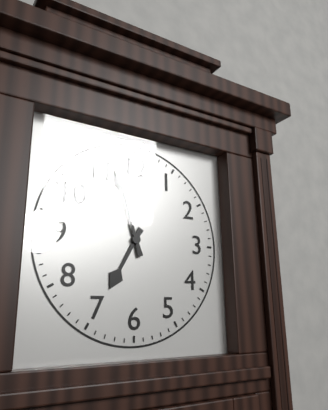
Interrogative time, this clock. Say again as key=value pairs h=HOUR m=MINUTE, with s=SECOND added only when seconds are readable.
h=6 m=57
